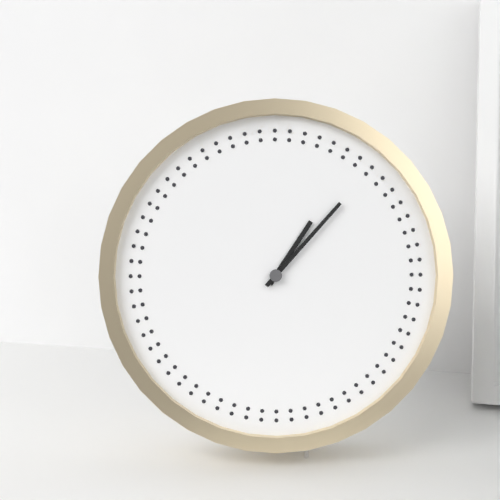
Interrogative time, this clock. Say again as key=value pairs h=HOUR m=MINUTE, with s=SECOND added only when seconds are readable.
h=1 m=7
